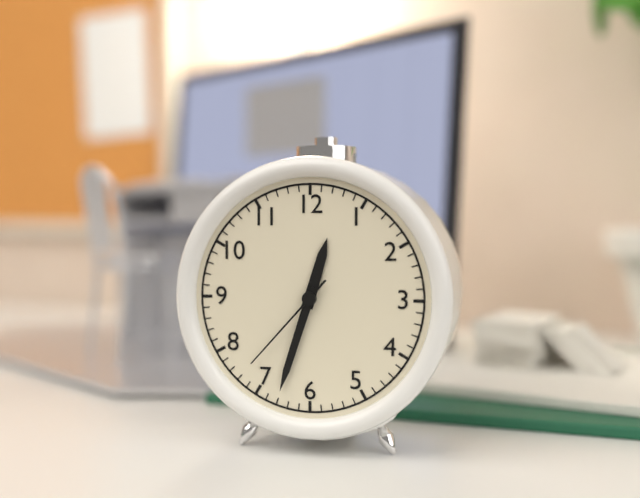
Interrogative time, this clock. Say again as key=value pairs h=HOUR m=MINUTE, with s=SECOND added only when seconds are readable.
h=12 m=33 s=37
